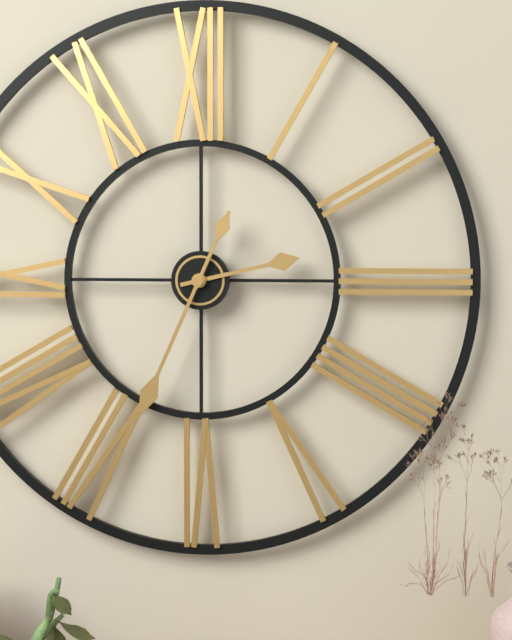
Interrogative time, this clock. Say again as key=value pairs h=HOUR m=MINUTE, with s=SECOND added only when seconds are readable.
h=2 m=34
